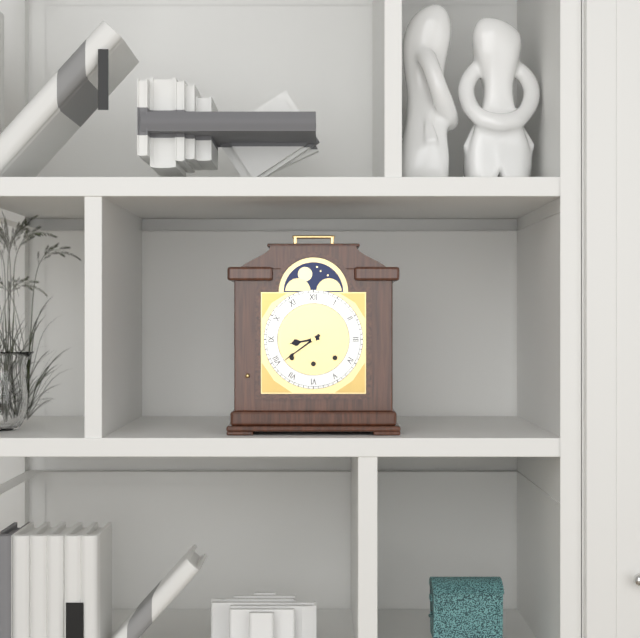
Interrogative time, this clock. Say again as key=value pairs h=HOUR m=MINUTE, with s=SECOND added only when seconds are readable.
h=8 m=39
